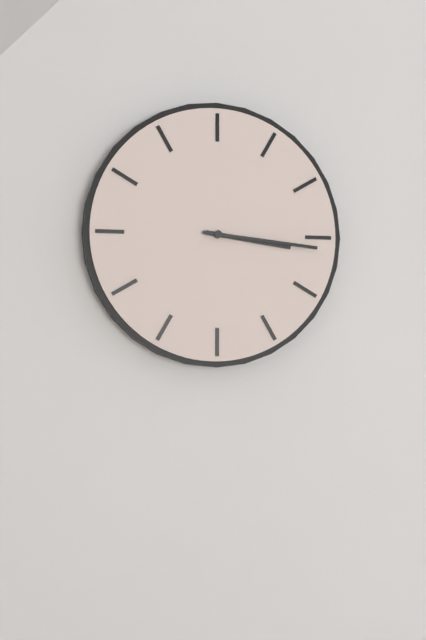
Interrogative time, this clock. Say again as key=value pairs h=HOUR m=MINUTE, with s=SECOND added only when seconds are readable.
h=3 m=16
